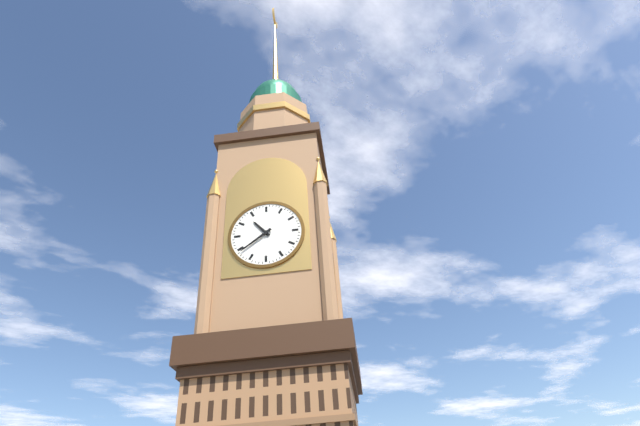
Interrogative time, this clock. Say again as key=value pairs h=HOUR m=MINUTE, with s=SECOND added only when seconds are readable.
h=10 m=39
